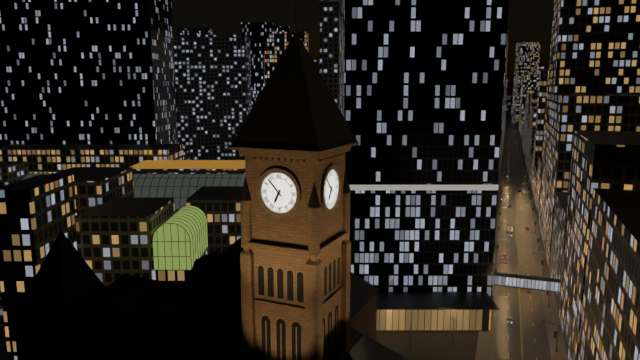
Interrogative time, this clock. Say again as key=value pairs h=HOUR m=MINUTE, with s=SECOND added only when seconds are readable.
h=6 m=53
